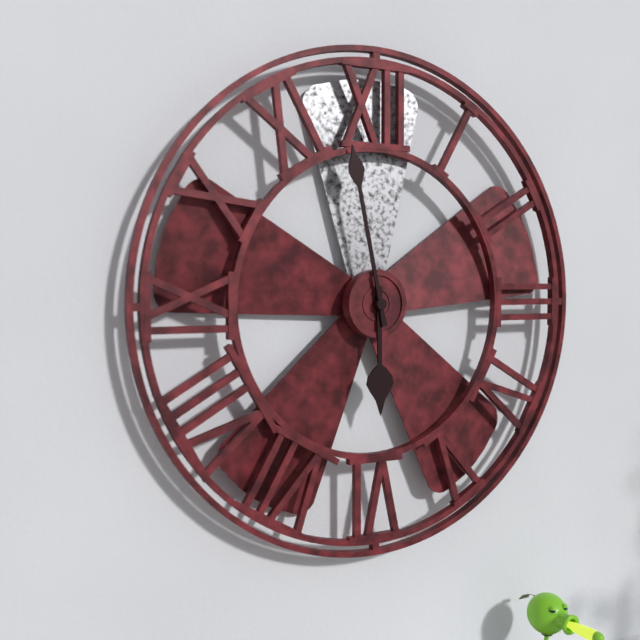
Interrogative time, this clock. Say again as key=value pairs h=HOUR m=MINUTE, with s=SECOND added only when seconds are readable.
h=5 m=58
